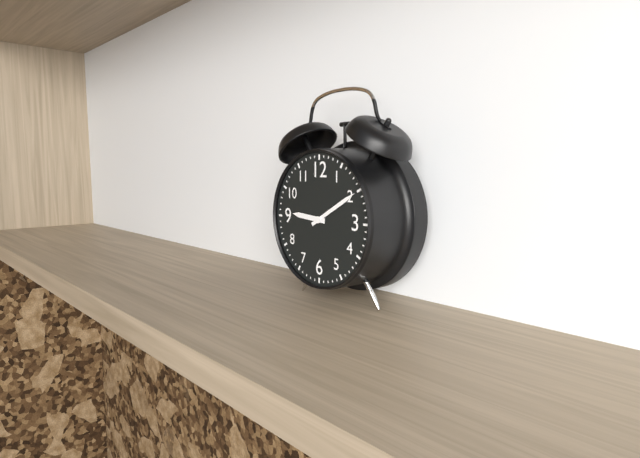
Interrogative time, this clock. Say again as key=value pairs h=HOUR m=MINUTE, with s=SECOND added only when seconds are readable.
h=9 m=10
